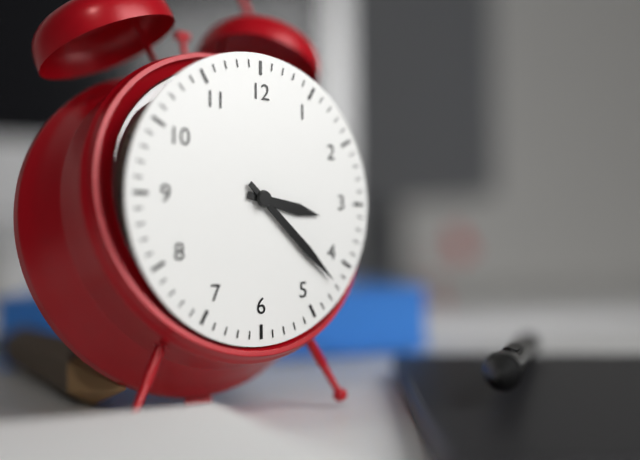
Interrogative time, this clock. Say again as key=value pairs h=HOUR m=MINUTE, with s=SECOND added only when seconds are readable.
h=3 m=22
